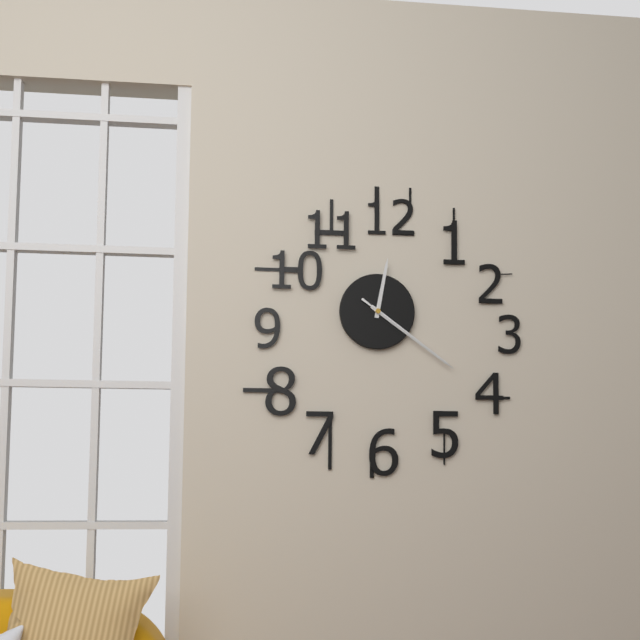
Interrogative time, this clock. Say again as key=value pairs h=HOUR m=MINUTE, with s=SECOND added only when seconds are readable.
h=12 m=21 s=21
